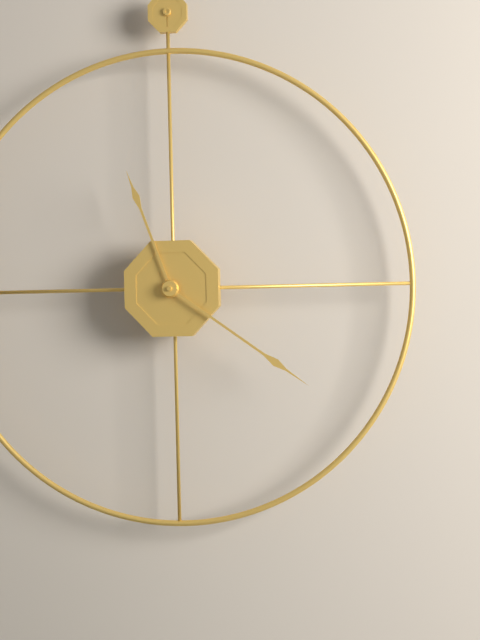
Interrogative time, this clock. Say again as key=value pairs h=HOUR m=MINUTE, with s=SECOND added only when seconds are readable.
h=11 m=21
